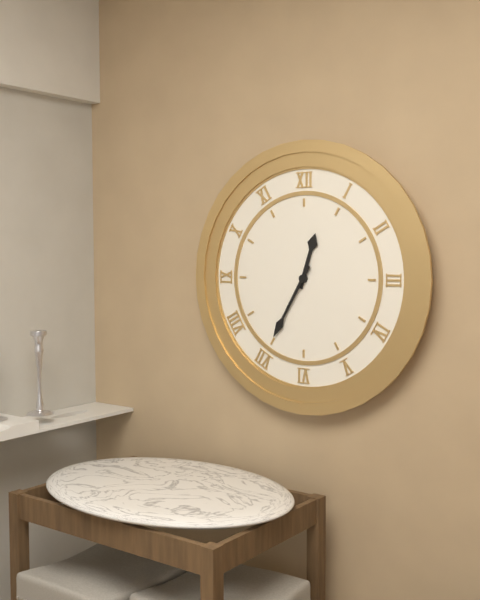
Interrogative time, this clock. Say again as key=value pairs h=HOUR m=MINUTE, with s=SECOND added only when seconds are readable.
h=12 m=35
